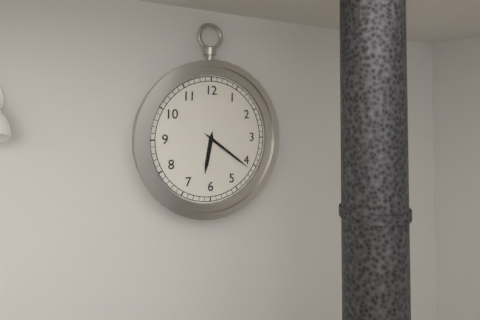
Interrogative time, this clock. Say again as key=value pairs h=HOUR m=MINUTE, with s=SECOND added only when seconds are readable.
h=6 m=21
